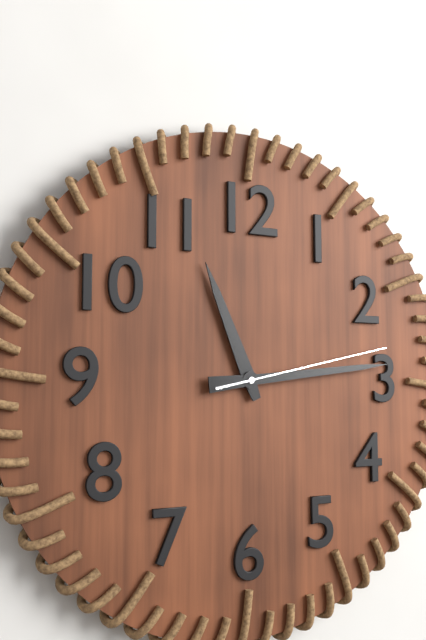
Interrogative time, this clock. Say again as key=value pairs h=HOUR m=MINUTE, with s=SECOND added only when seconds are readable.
h=11 m=14 s=13
